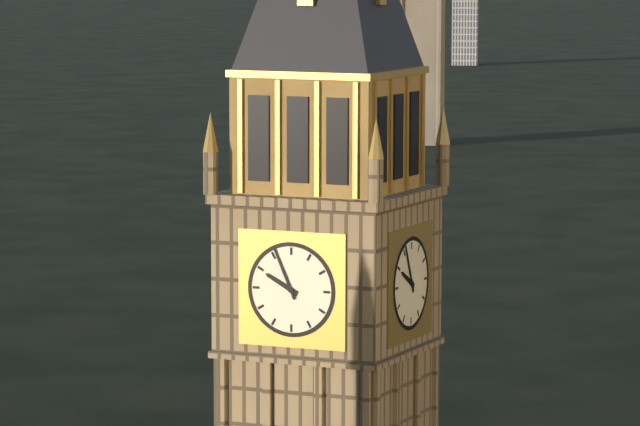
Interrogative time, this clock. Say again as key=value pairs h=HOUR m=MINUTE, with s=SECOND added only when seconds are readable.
h=9 m=56
